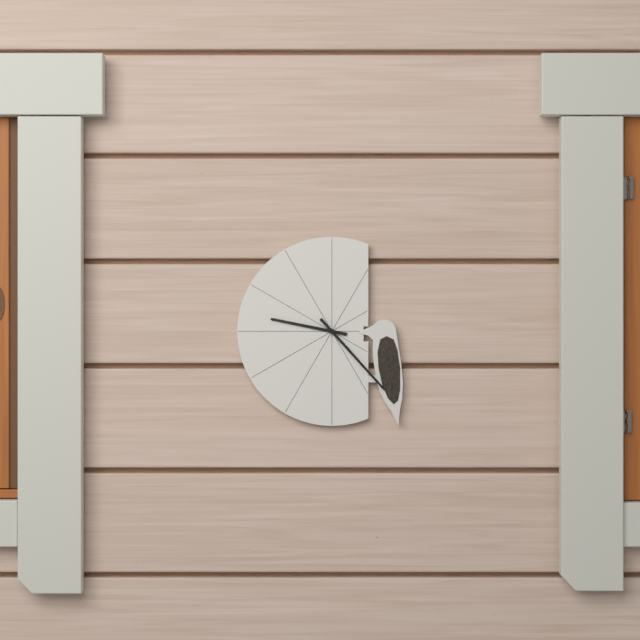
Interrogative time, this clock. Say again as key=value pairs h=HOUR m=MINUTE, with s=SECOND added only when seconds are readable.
h=9 m=23
